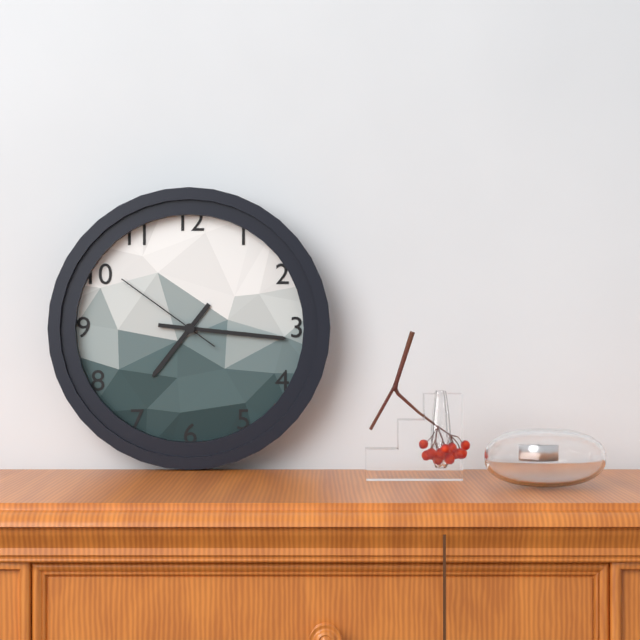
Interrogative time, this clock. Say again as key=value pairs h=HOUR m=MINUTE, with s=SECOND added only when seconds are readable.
h=7 m=16 s=51
